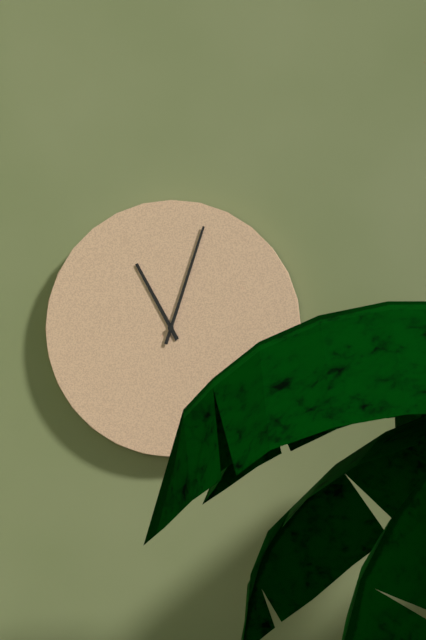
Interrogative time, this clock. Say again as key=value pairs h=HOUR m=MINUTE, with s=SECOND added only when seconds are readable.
h=11 m=3
